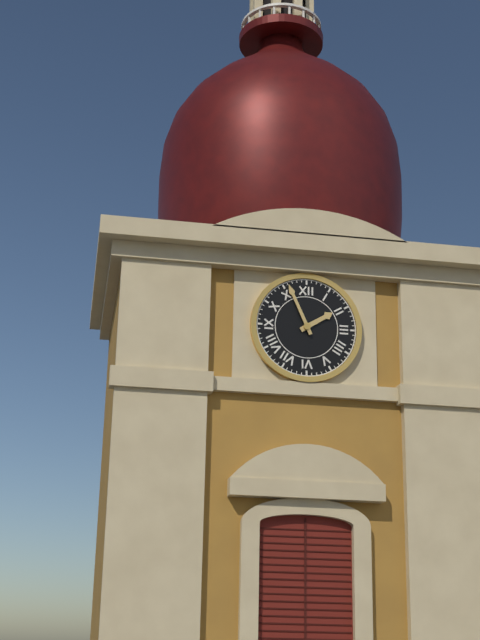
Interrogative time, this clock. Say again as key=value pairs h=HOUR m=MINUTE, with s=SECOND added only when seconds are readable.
h=1 m=56
